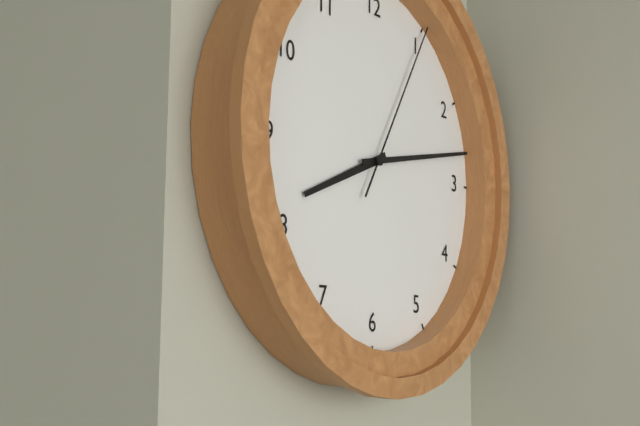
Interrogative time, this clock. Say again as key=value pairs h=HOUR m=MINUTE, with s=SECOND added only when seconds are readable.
h=8 m=13 s=5
